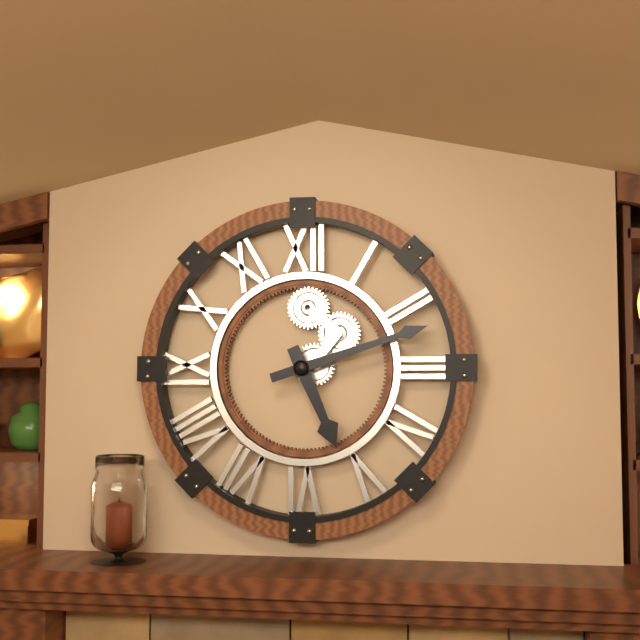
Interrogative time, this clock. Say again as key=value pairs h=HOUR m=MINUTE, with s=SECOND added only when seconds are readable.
h=5 m=12
